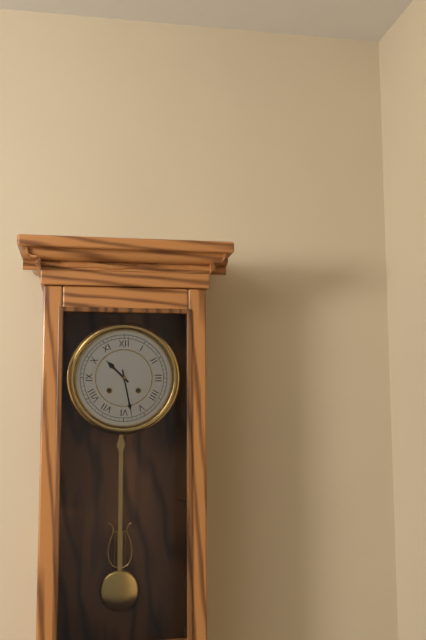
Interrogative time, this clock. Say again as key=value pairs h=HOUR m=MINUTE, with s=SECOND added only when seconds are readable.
h=10 m=28
